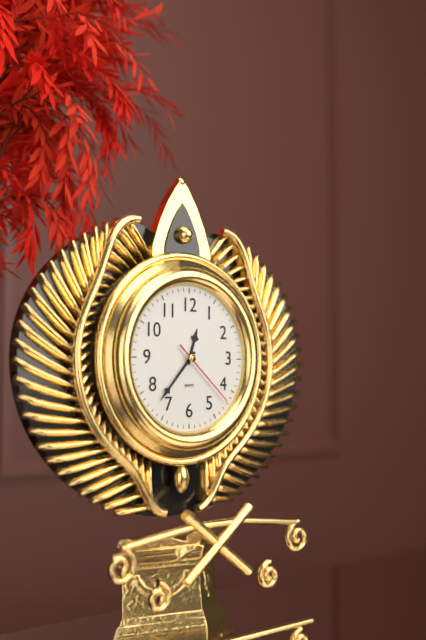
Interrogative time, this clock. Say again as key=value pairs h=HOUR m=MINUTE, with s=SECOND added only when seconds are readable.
h=12 m=37 s=22
